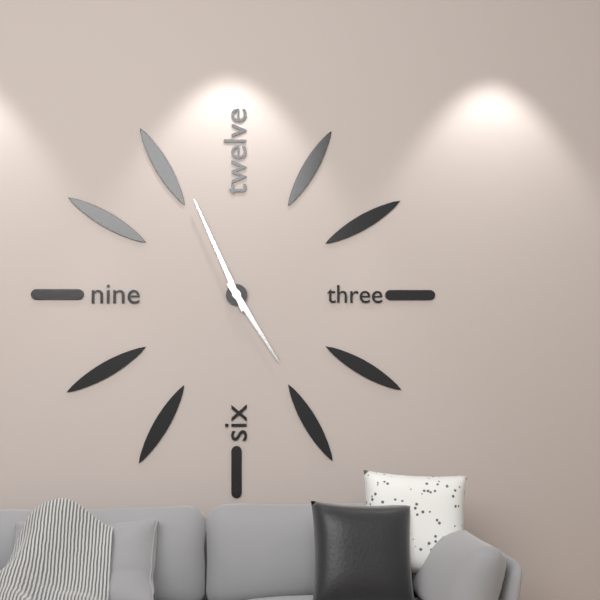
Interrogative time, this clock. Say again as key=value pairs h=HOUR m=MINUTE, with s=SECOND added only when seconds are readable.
h=4 m=56
